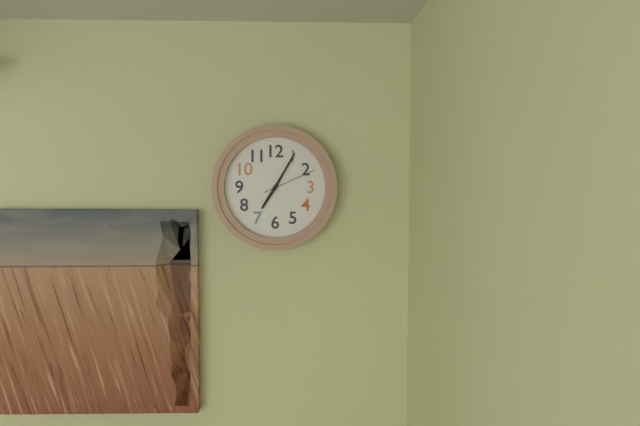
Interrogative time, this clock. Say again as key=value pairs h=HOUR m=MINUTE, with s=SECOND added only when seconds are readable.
h=7 m=5 s=11
